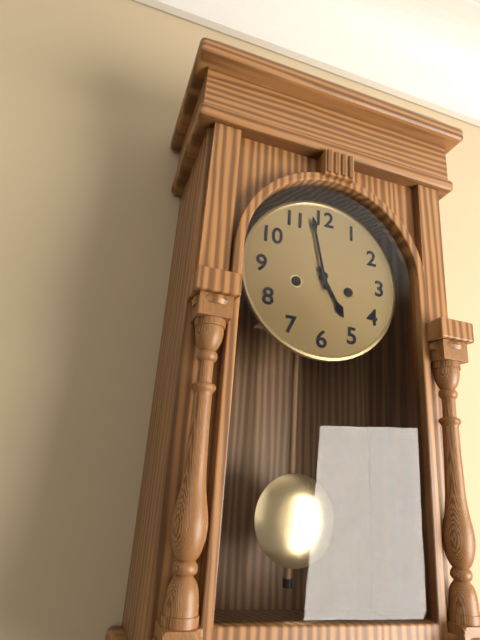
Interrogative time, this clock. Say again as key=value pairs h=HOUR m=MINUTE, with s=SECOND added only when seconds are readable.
h=4 m=58
